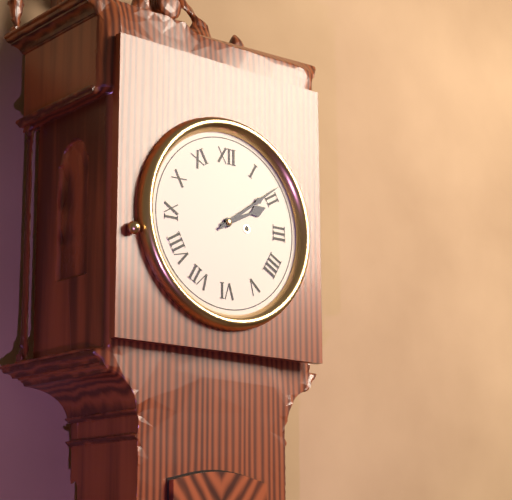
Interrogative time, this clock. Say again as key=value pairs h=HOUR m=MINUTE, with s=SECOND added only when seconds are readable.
h=2 m=9
